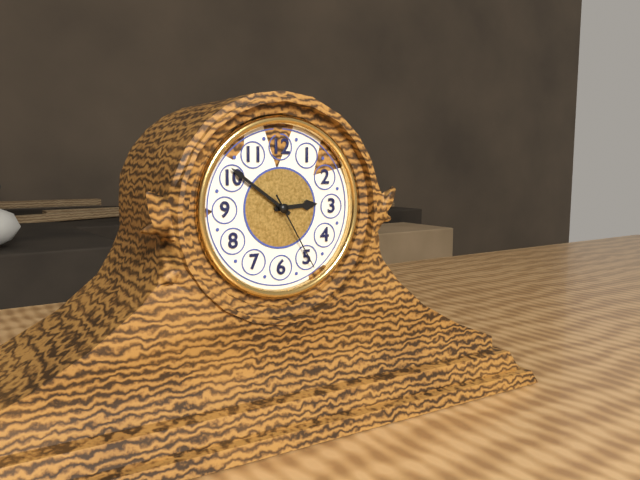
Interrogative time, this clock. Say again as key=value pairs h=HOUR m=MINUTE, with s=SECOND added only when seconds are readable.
h=2 m=51 s=25
